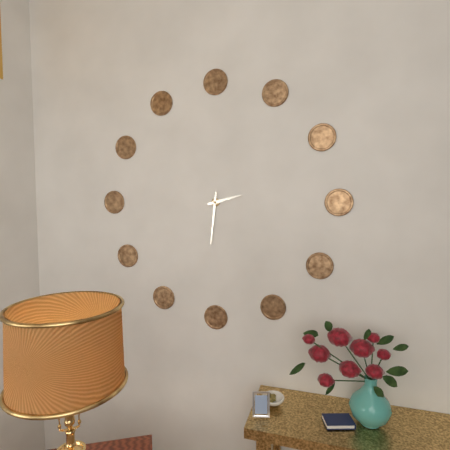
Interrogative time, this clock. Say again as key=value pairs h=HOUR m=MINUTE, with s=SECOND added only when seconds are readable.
h=2 m=31
